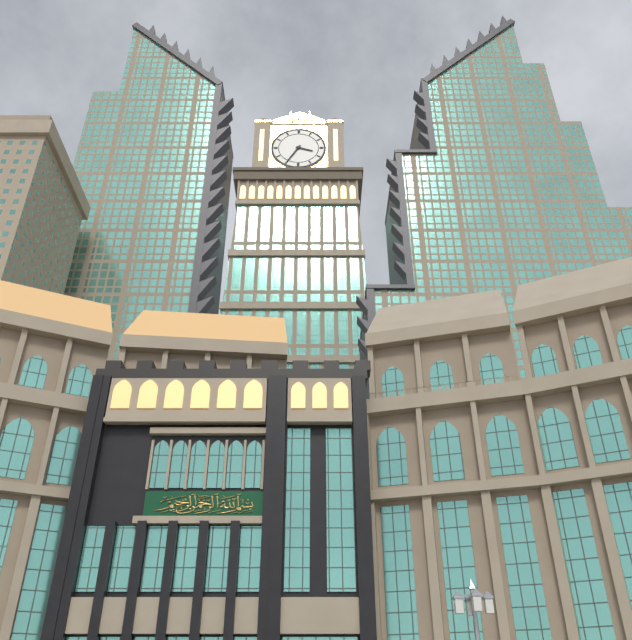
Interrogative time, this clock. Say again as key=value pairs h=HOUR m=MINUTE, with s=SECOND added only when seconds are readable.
h=3 m=35
